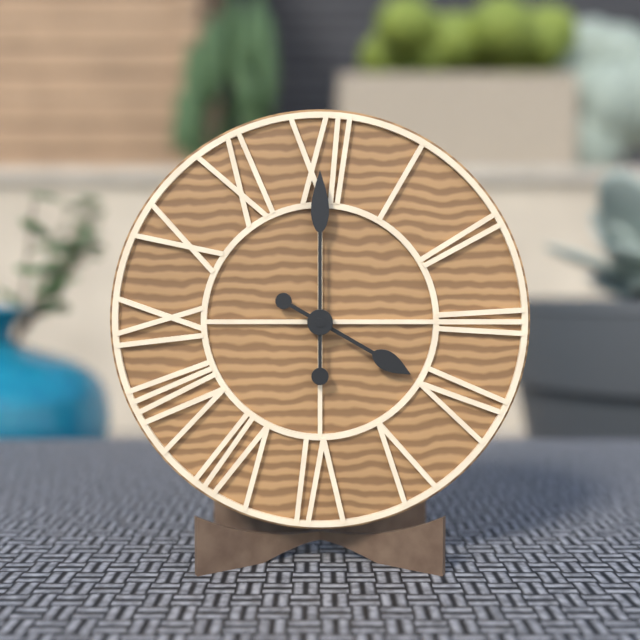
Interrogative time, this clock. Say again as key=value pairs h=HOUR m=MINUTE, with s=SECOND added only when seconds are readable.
h=4 m=0
